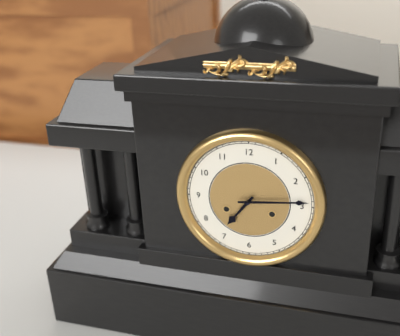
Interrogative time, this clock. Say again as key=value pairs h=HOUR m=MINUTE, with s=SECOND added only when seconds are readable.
h=7 m=14
